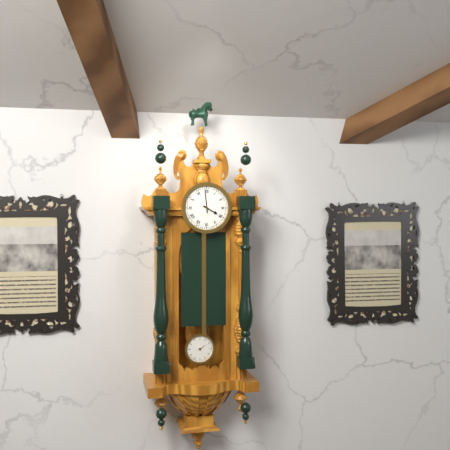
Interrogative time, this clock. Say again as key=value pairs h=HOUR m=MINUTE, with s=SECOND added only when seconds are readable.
h=3 m=59
